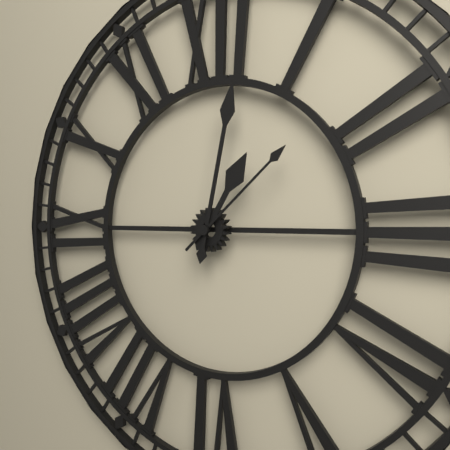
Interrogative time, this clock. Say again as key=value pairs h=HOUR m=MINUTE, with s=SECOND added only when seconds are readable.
h=1 m=2 s=8
